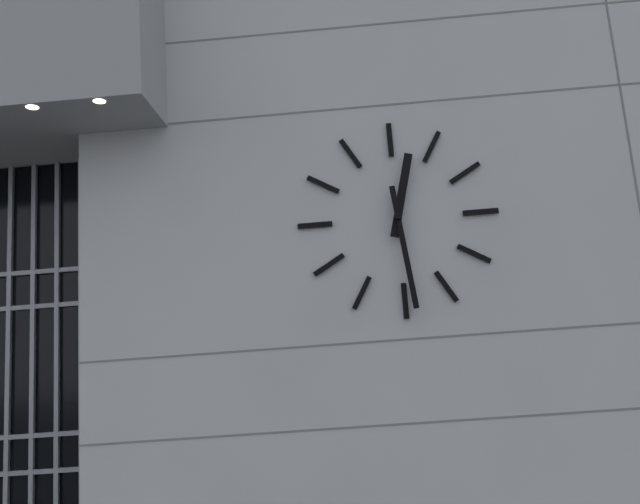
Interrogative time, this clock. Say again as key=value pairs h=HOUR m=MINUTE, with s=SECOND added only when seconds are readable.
h=12 m=29
